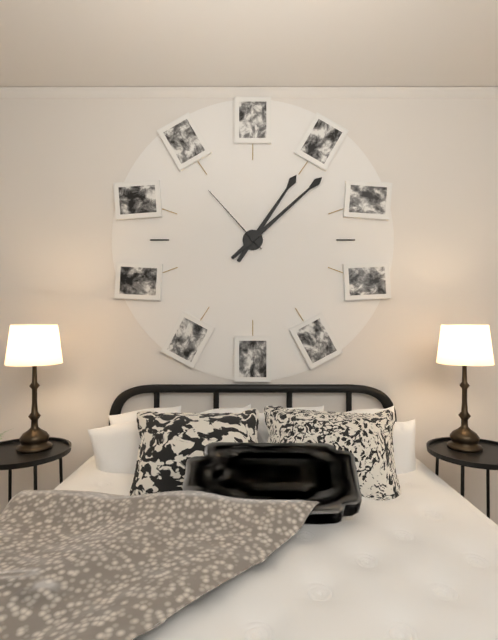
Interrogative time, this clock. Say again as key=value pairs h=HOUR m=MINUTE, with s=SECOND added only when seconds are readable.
h=1 m=8 s=53
